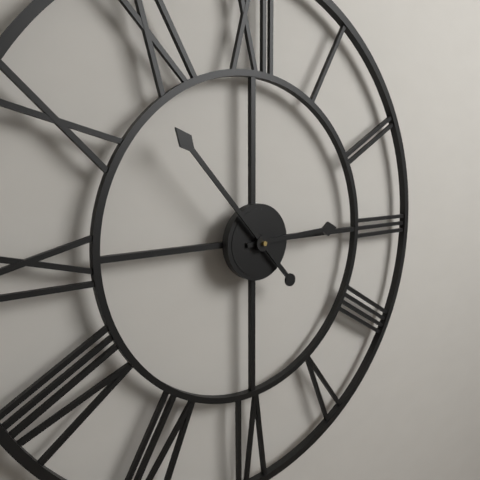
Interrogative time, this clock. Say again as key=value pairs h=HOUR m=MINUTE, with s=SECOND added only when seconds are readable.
h=2 m=53
